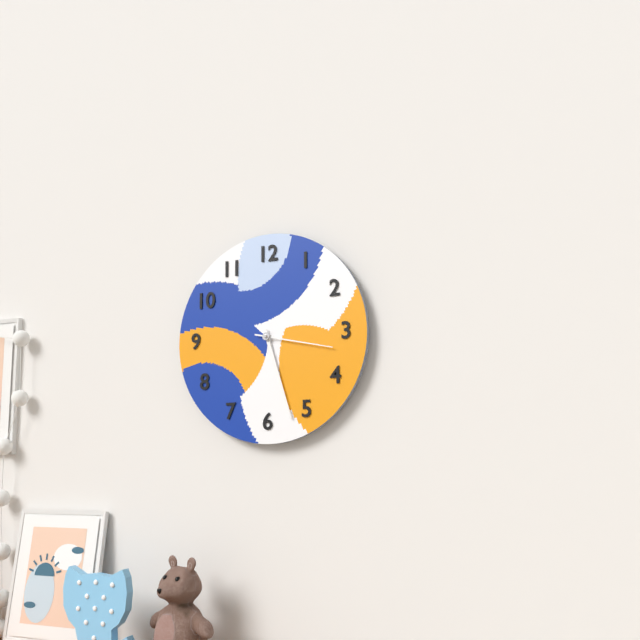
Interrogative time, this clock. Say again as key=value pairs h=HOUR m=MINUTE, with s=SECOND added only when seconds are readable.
h=5 m=27 s=17
